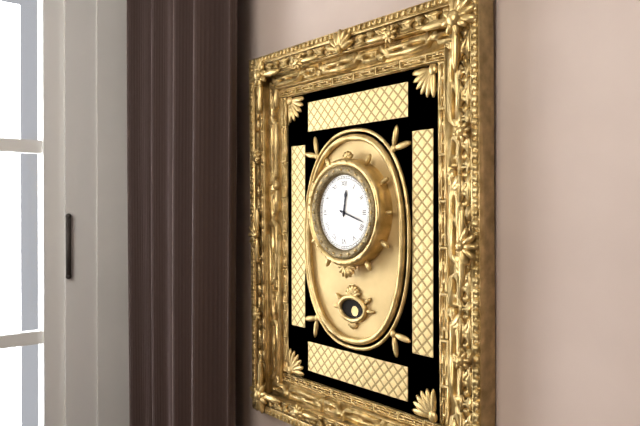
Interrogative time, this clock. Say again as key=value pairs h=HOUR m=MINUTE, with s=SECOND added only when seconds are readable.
h=12 m=18
